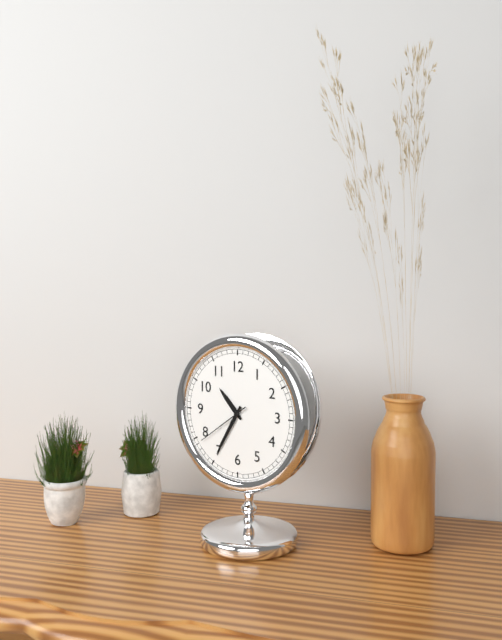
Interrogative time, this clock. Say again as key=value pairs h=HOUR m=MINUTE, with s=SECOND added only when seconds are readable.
h=10 m=35 s=39
